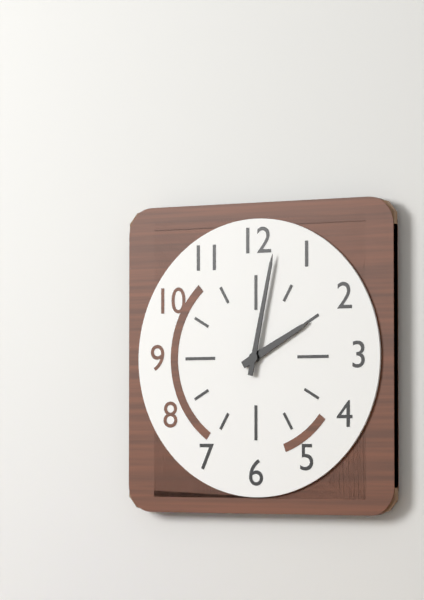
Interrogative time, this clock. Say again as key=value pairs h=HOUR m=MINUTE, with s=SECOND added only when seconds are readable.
h=2 m=2
